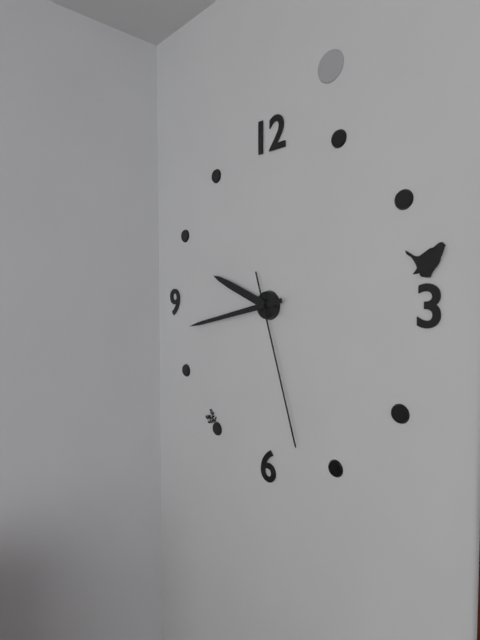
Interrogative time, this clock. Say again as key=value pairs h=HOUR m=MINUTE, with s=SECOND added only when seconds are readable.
h=9 m=43 s=27
